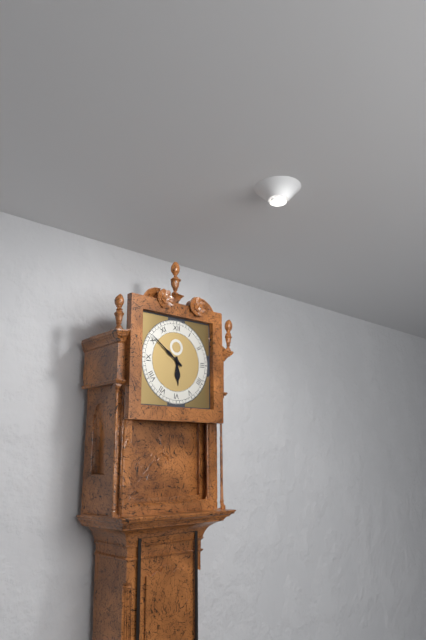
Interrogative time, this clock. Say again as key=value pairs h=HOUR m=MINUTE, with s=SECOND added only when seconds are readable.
h=5 m=51
